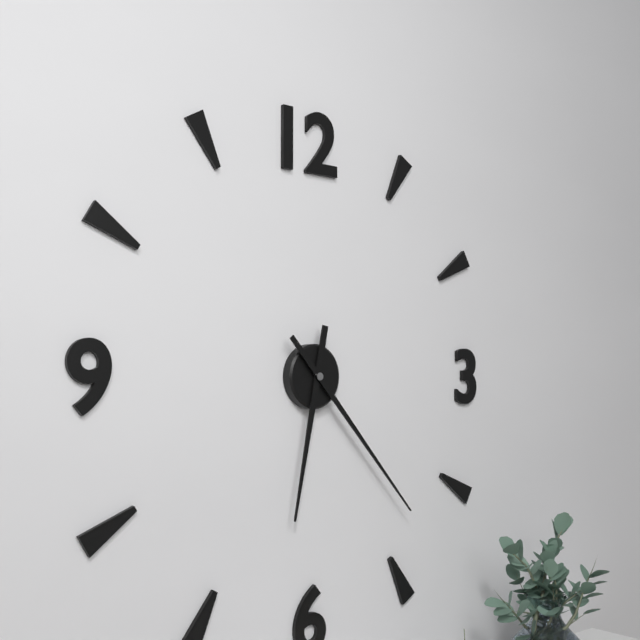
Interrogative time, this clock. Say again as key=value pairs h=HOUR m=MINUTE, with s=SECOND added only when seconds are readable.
h=6 m=23
